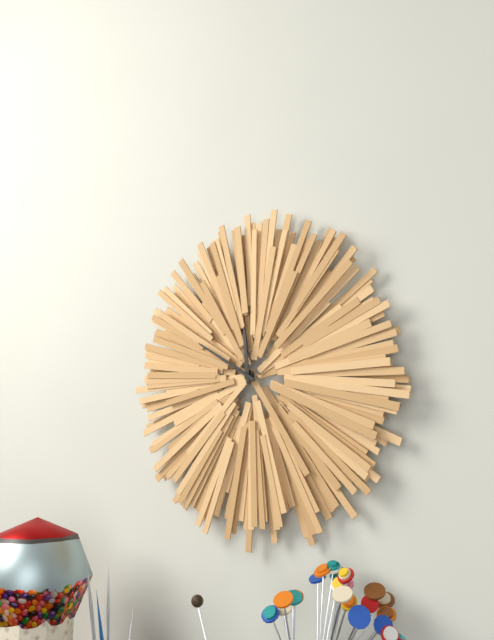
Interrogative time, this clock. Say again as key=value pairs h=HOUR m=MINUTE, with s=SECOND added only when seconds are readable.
h=11 m=50
